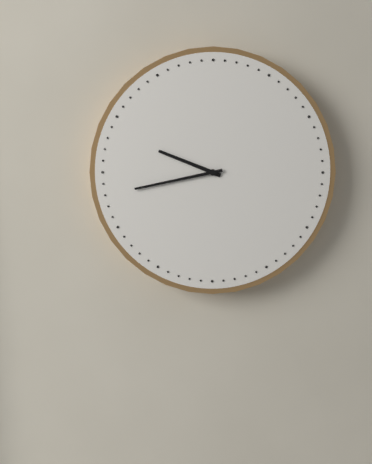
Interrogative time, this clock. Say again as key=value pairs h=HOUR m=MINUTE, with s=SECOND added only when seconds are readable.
h=9 m=43
